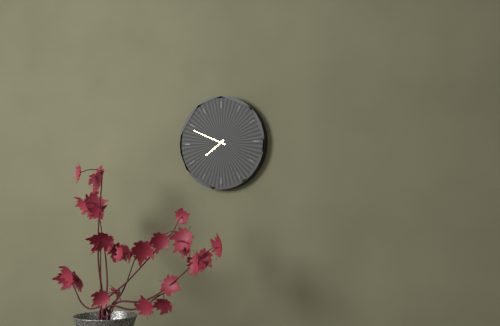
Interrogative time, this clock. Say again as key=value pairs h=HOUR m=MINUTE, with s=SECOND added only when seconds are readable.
h=7 m=49
